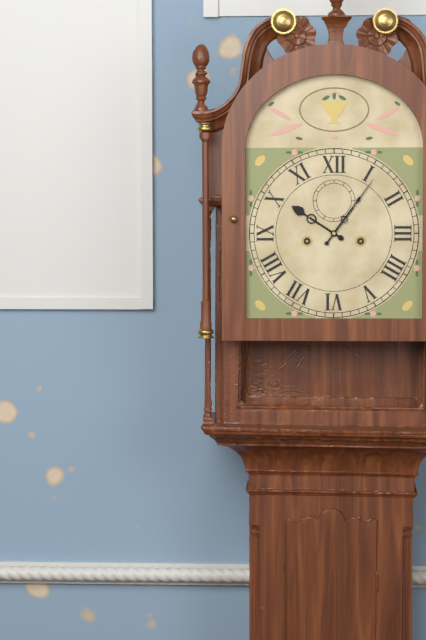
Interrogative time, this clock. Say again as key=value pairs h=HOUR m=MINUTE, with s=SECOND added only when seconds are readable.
h=10 m=6
